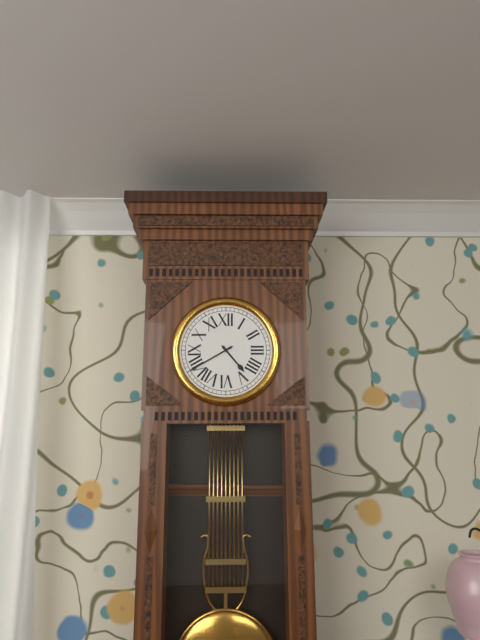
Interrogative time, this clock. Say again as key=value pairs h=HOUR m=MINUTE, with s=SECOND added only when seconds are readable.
h=4 m=40
